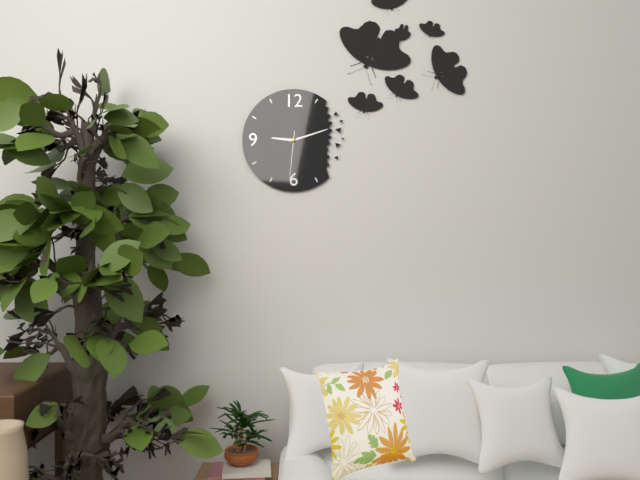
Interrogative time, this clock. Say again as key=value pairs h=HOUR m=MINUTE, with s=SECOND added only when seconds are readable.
h=9 m=12 s=31
